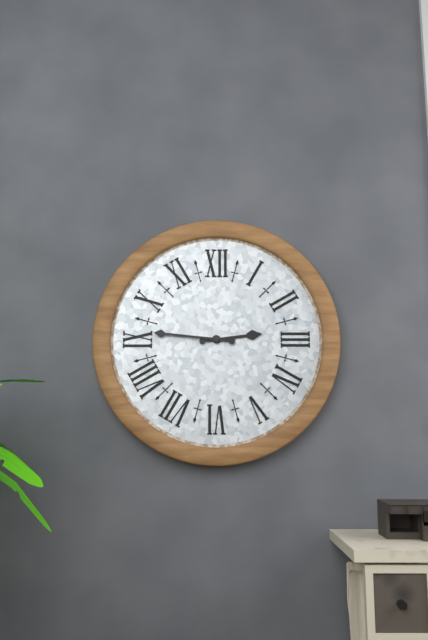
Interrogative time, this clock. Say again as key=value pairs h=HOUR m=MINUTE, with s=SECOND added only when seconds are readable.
h=2 m=46
